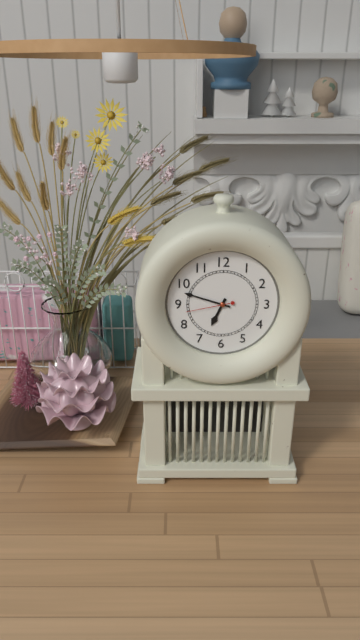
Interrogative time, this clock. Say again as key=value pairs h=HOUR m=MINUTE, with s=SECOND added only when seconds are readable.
h=6 m=48
